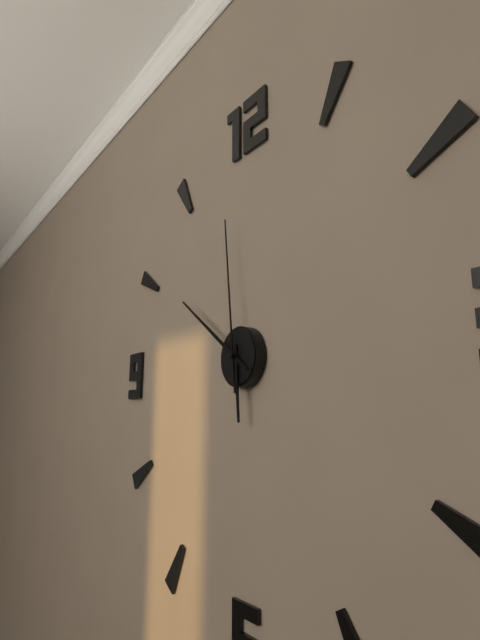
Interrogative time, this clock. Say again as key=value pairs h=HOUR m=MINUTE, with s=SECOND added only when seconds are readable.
h=5 m=51 s=59
